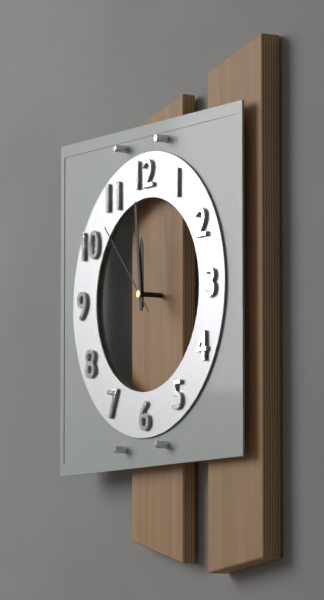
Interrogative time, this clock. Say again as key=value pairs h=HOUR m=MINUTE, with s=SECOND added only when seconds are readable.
h=11 m=59 s=53
